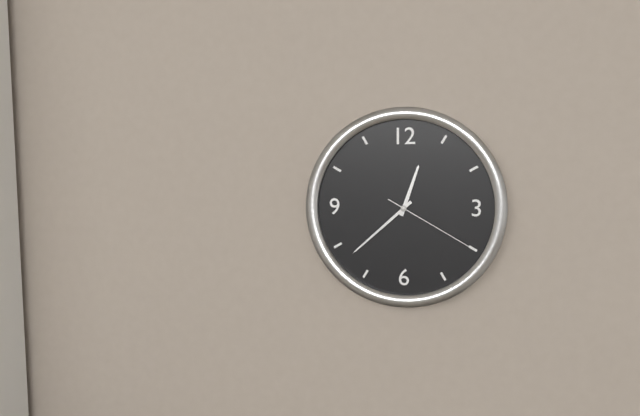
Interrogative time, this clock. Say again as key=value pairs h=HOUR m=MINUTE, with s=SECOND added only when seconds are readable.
h=12 m=38 s=20
